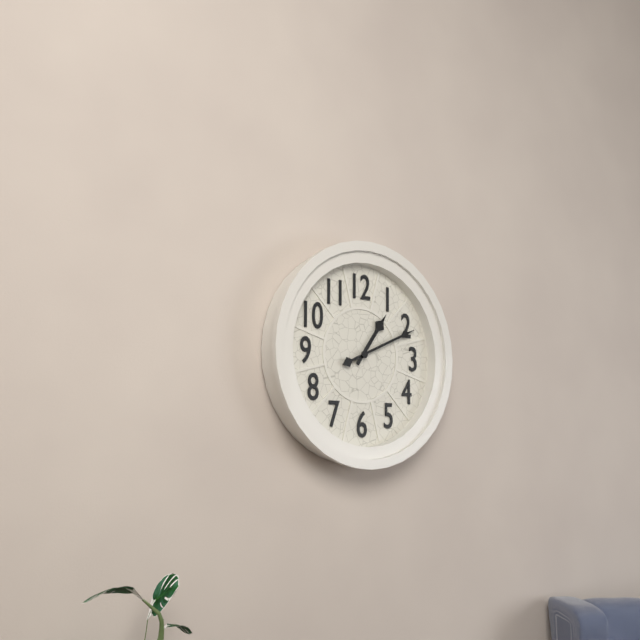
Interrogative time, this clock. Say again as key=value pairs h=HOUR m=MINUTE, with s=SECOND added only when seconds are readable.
h=1 m=11
